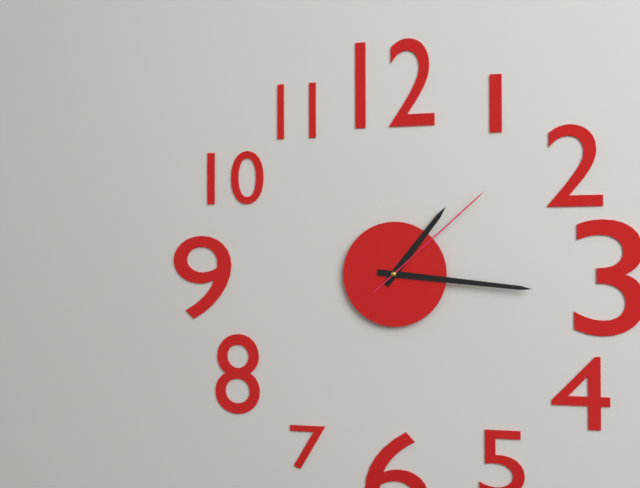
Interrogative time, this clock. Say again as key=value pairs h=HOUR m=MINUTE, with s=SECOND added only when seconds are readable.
h=1 m=16 s=8
